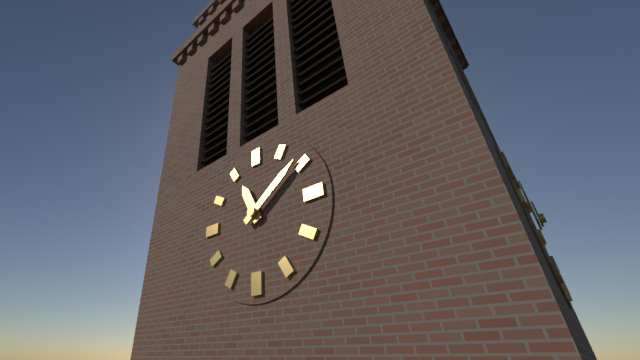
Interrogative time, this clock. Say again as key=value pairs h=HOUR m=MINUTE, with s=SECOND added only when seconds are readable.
h=11 m=9
